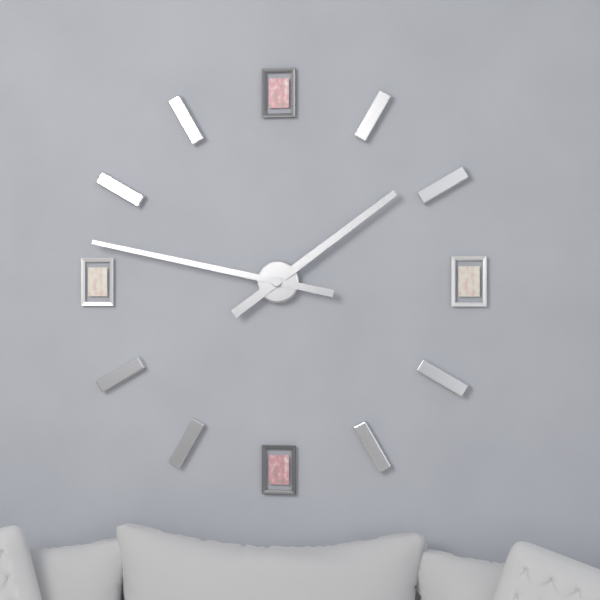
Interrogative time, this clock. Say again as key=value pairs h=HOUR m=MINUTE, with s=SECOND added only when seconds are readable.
h=1 m=47
